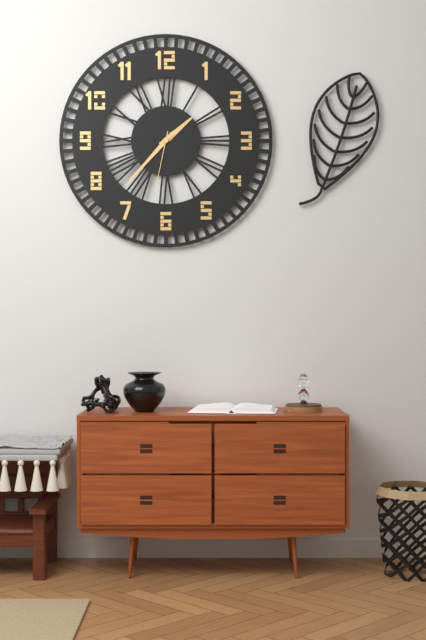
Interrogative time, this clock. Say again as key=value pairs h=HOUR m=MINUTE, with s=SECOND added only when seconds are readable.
h=1 m=37 s=32
